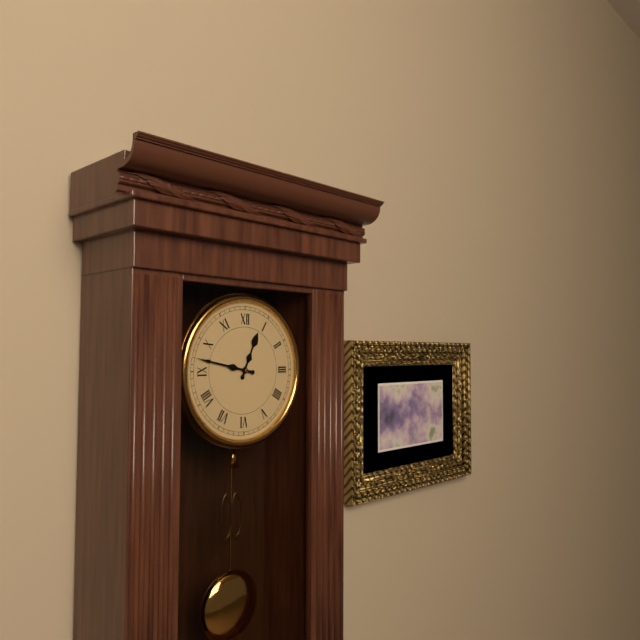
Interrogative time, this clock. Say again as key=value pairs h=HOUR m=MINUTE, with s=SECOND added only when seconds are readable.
h=12 m=47
